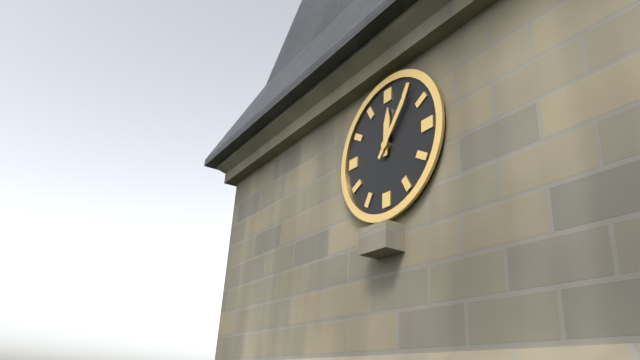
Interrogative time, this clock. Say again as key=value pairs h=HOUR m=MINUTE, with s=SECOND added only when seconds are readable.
h=12 m=6
